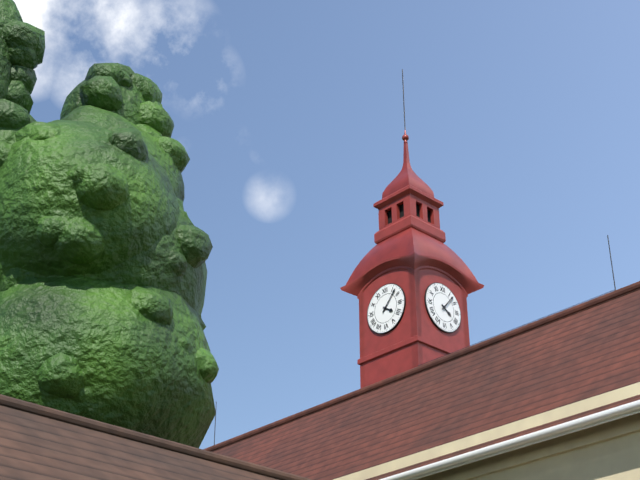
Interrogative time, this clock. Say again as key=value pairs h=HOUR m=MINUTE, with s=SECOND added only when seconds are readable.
h=4 m=7
